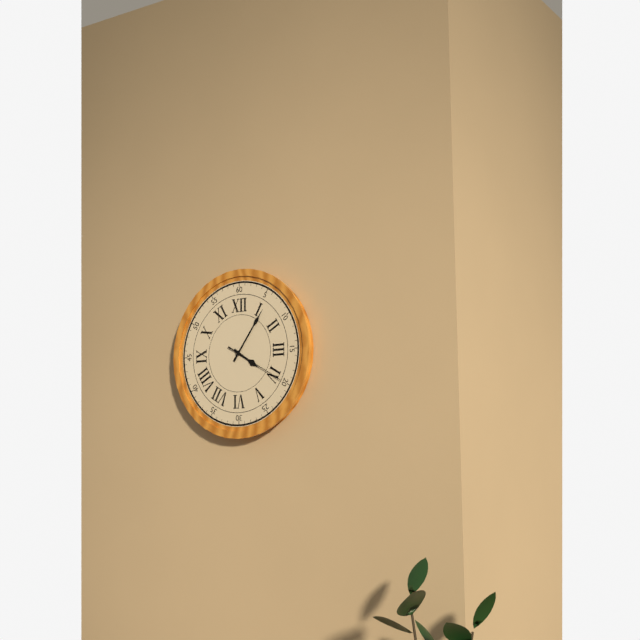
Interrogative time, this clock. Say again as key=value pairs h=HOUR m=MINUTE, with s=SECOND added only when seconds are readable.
h=4 m=6 s=20
